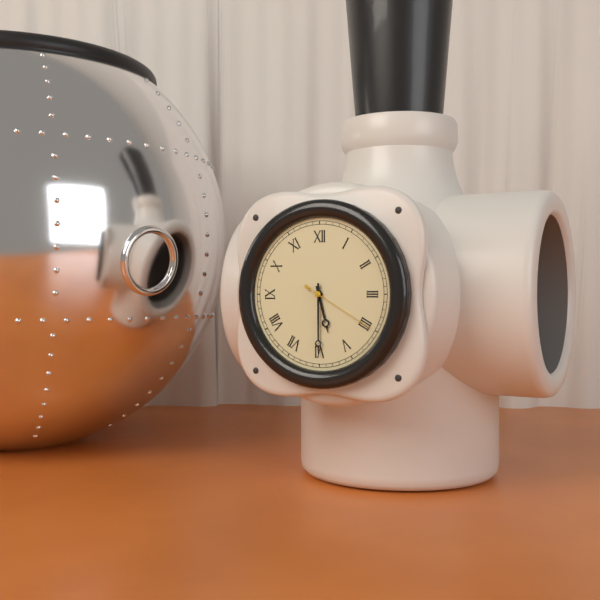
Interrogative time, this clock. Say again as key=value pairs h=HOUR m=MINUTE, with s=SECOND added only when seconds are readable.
h=5 m=30 s=20
